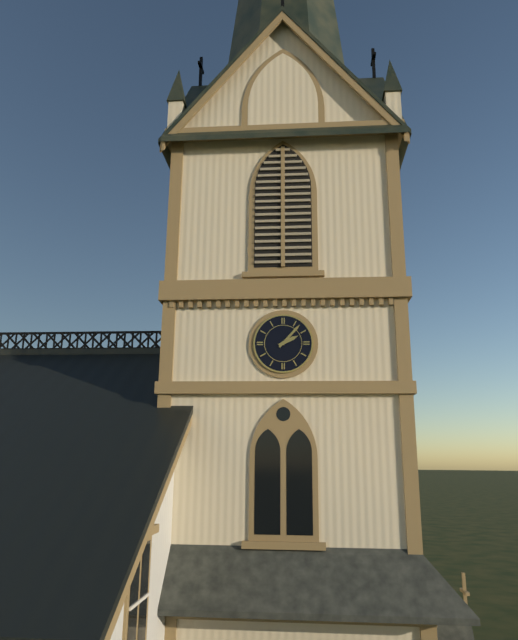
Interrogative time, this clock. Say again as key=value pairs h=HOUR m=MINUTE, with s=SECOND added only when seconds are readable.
h=2 m=7
